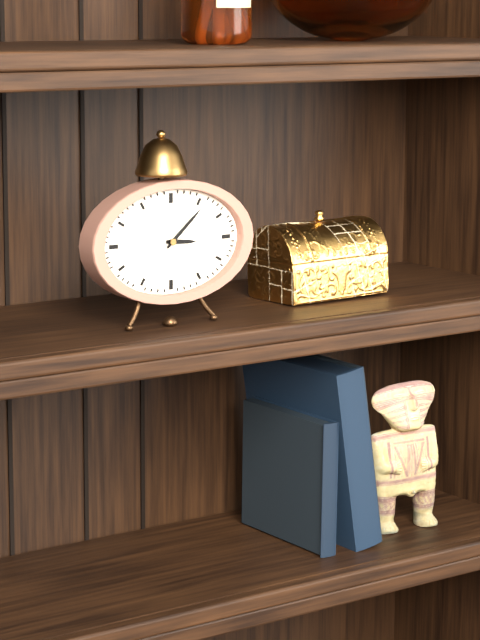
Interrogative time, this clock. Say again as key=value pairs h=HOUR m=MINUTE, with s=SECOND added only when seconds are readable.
h=3 m=8
